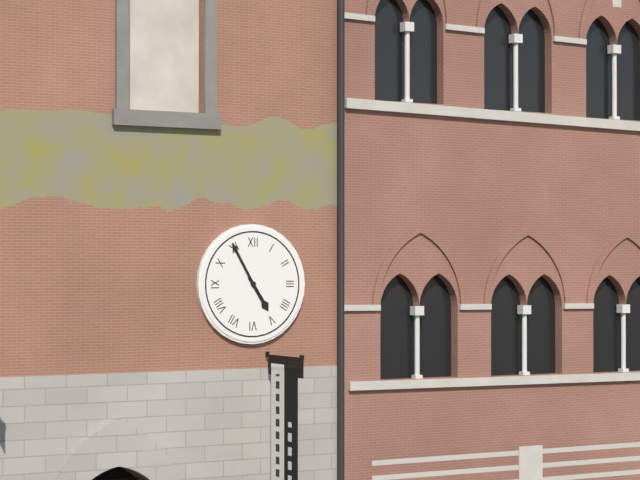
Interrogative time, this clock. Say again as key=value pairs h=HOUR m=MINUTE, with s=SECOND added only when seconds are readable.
h=4 m=55
